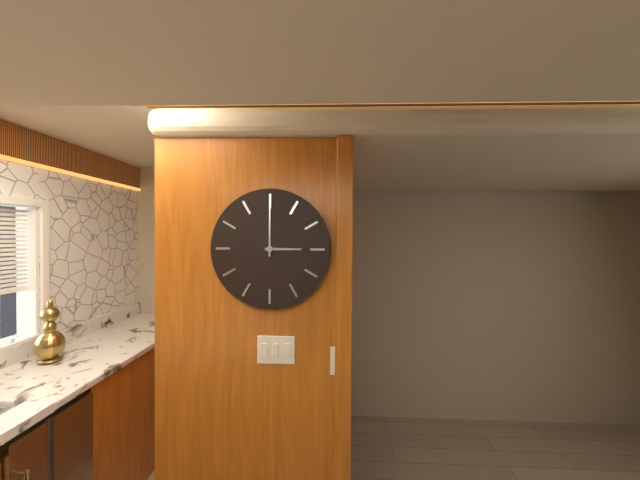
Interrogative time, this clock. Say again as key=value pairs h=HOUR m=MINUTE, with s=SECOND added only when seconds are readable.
h=3 m=0
